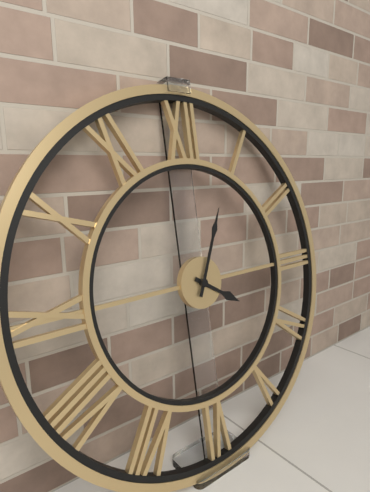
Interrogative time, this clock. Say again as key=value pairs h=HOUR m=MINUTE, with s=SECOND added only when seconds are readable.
h=4 m=4
